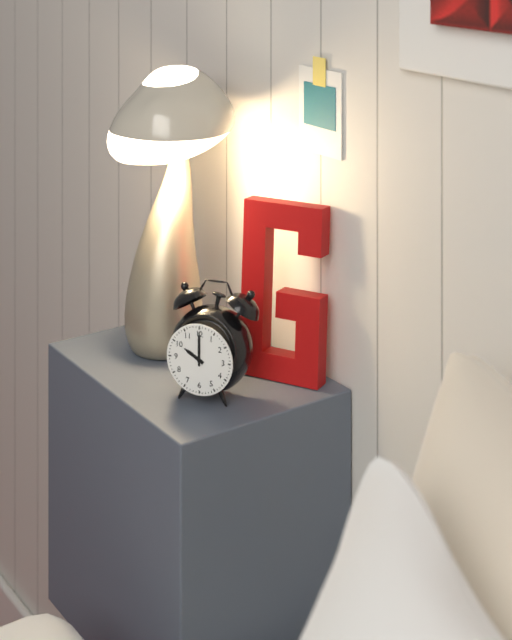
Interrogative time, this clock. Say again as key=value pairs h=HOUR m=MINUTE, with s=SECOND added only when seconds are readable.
h=10 m=0
